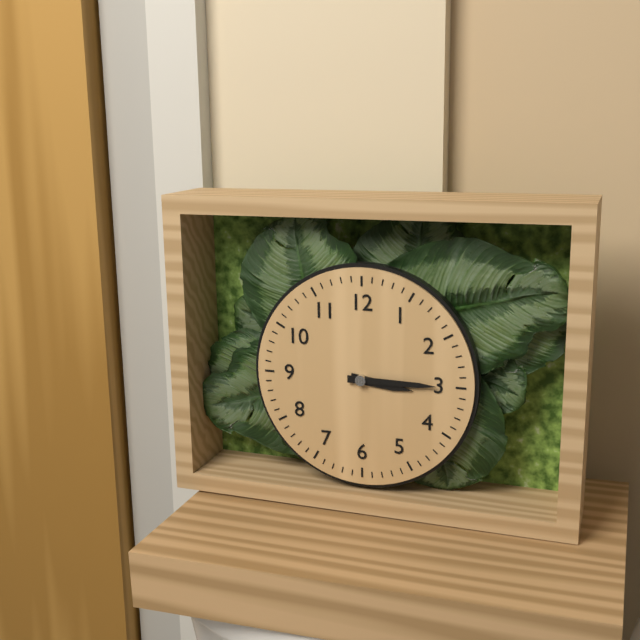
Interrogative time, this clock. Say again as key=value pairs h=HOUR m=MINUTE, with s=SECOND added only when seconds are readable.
h=3 m=15
